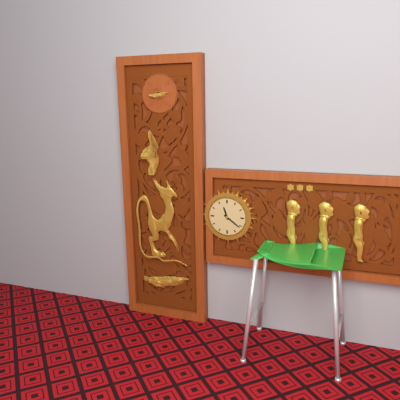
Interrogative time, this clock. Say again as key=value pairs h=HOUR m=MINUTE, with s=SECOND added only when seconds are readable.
h=11 m=21
